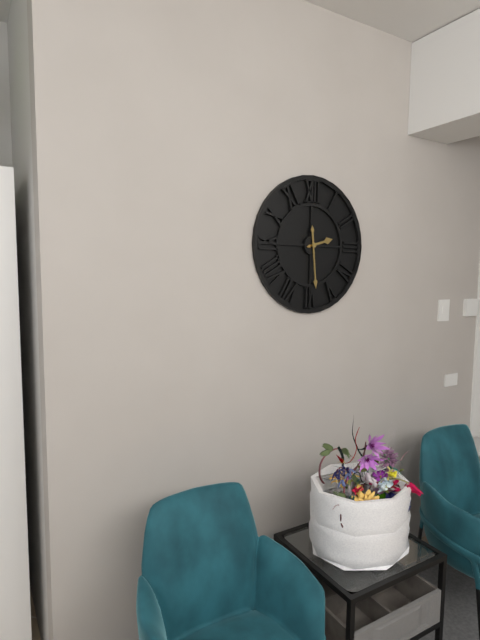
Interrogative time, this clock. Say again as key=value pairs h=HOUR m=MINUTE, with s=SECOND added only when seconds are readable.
h=2 m=29
